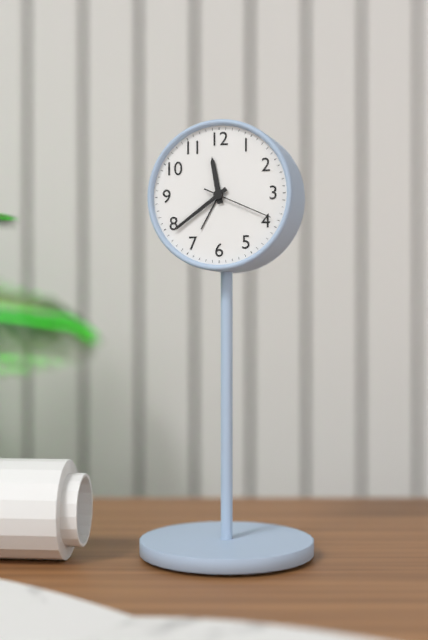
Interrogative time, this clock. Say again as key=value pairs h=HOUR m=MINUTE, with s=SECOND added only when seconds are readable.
h=11 m=39 s=19
